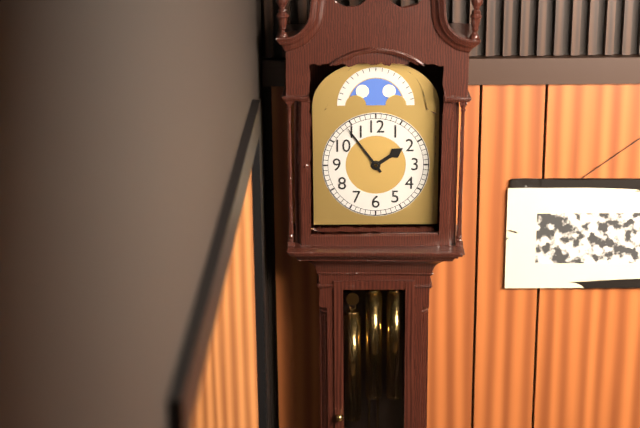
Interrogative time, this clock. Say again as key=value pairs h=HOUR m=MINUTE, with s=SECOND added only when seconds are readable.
h=1 m=54
